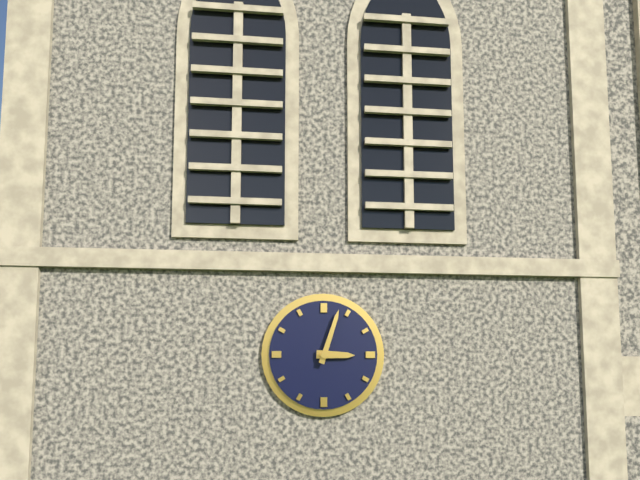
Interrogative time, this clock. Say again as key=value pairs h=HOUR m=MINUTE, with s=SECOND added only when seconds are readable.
h=3 m=3
